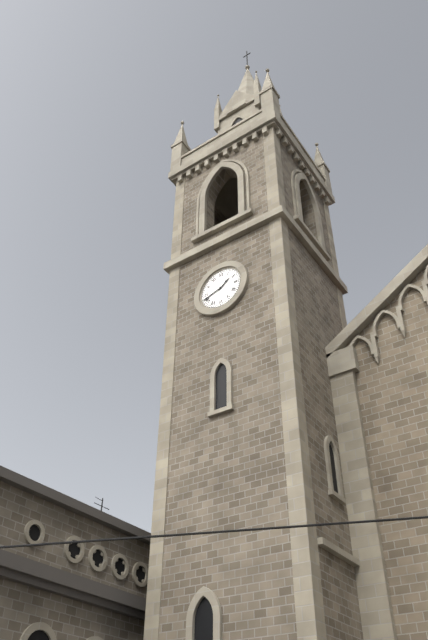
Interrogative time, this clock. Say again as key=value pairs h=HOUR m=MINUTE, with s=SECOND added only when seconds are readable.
h=1 m=42
